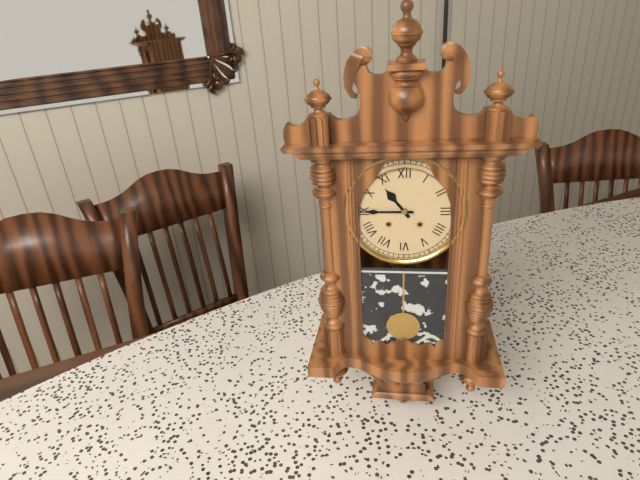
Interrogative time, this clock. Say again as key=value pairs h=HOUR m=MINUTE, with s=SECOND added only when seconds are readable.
h=10 m=45
